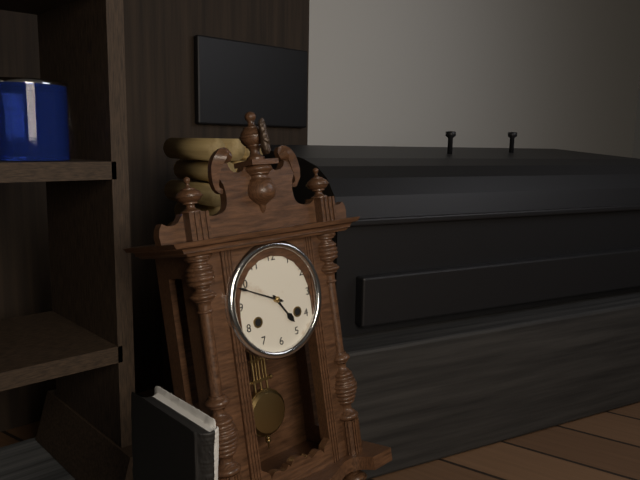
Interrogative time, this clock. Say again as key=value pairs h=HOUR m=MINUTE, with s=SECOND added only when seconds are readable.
h=4 m=49
